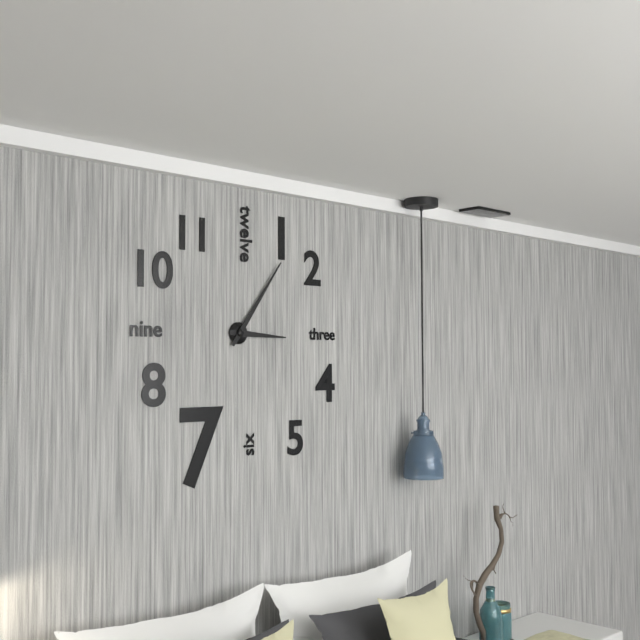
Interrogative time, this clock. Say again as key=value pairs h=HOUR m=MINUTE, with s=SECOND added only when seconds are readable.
h=3 m=6
